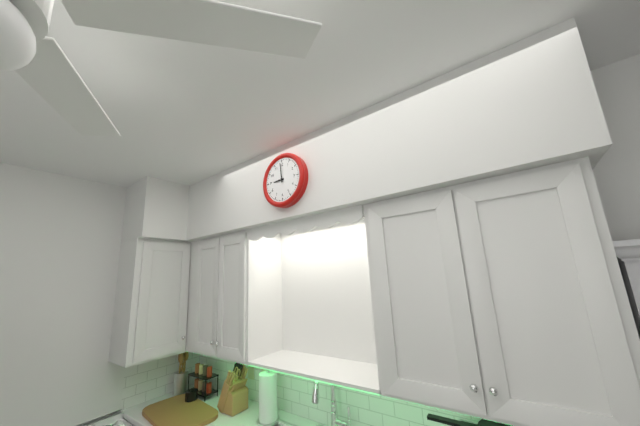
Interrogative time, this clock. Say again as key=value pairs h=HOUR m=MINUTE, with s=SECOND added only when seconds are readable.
h=8 m=59
